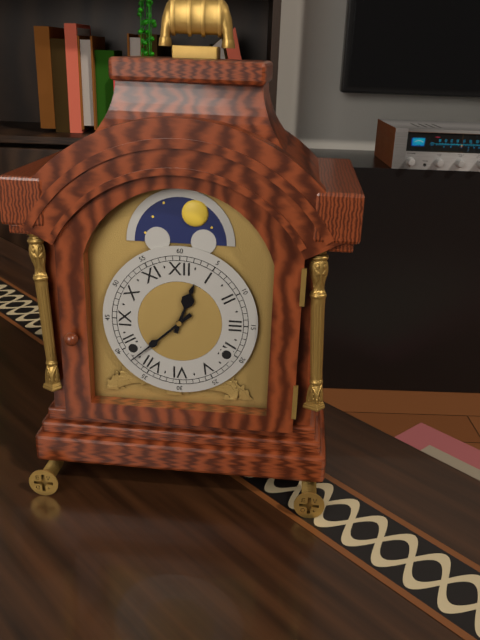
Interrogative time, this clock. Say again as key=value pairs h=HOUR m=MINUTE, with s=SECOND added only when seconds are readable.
h=12 m=38
